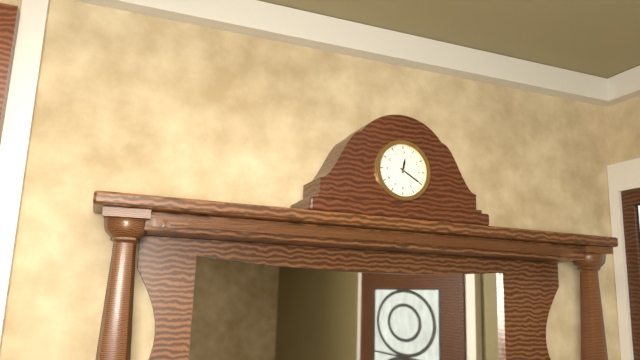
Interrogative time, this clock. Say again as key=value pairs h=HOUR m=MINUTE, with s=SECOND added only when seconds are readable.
h=12 m=20
